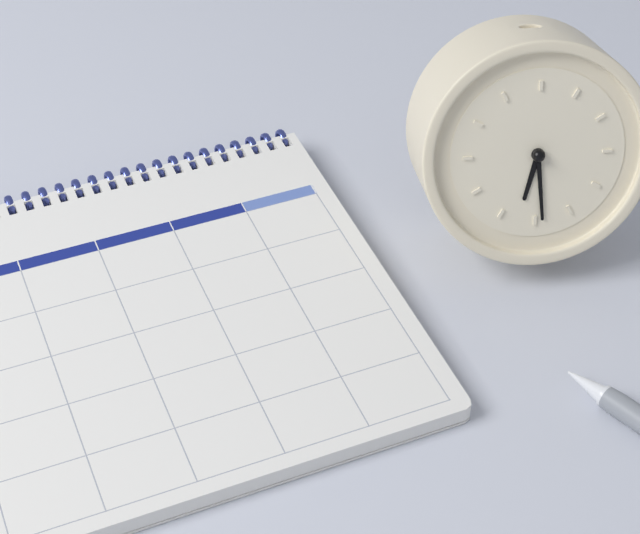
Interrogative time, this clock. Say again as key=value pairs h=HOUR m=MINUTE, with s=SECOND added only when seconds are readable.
h=6 m=29
